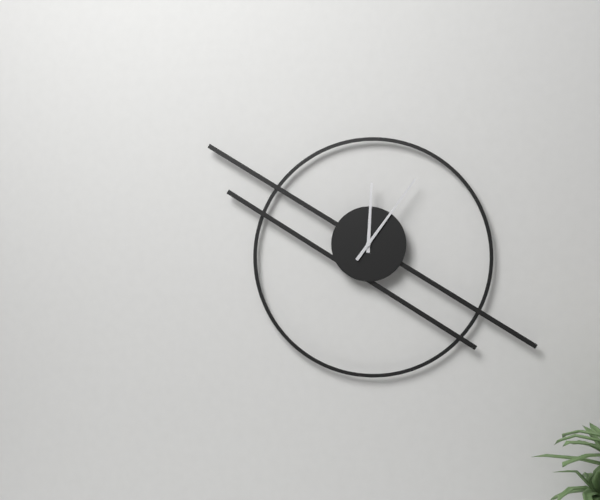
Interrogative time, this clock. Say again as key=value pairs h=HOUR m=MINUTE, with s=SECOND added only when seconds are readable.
h=12 m=6
